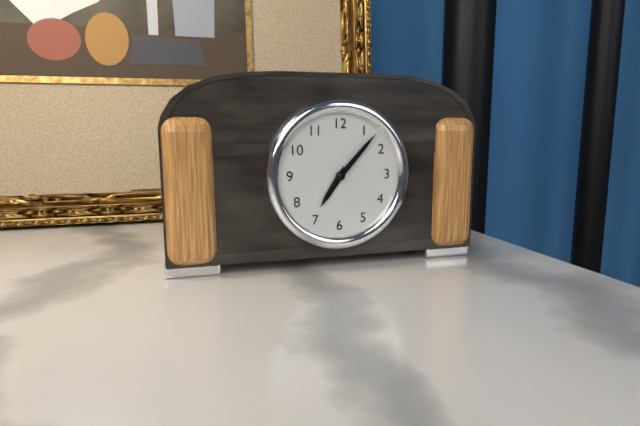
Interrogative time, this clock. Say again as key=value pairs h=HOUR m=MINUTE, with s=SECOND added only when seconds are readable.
h=7 m=7
